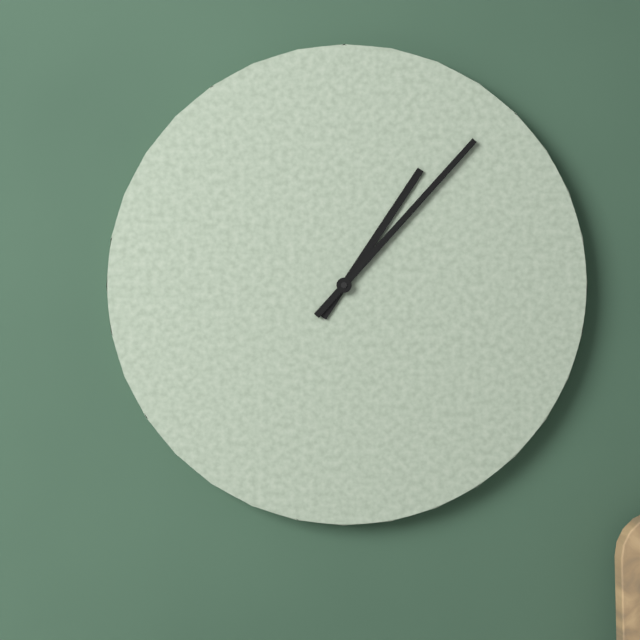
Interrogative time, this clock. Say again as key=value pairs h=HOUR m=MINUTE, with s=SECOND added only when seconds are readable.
h=1 m=7
